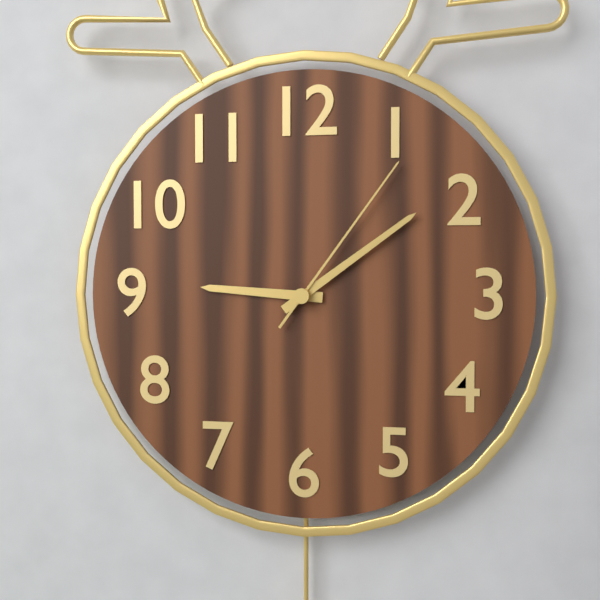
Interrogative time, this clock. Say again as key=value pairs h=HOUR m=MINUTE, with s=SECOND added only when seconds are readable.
h=9 m=9 s=6
